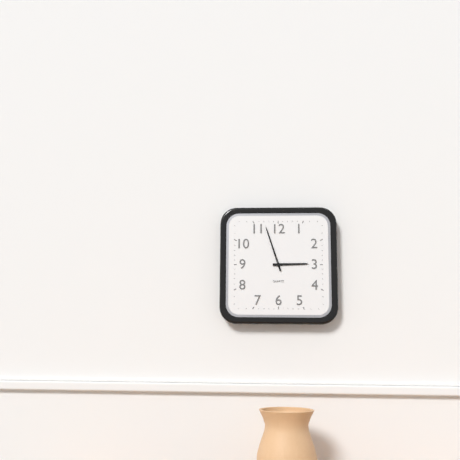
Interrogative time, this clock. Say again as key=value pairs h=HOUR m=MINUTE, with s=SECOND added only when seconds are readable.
h=2 m=57
